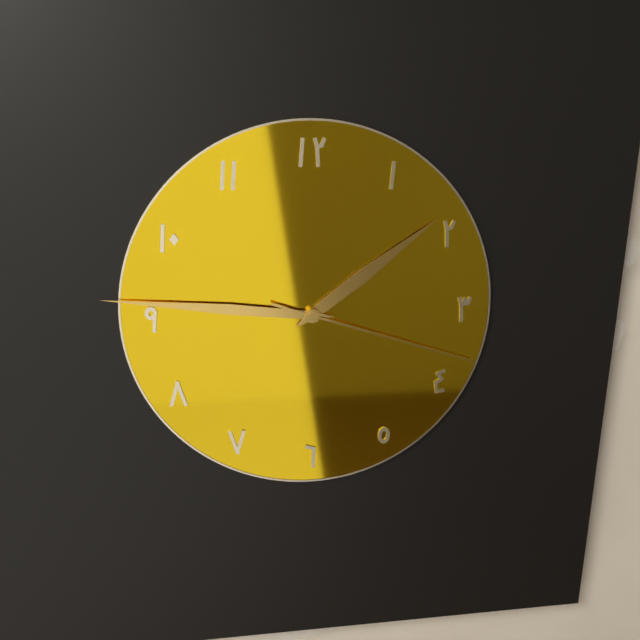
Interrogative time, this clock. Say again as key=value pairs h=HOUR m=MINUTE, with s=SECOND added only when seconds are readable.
h=1 m=46 s=18
